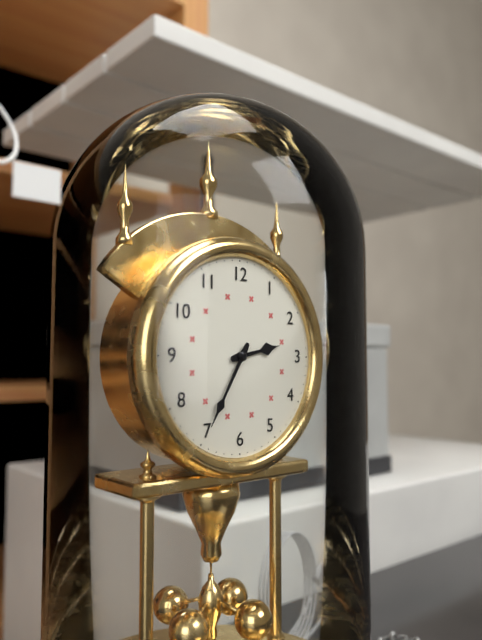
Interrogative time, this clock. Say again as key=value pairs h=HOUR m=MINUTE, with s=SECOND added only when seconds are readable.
h=2 m=35
